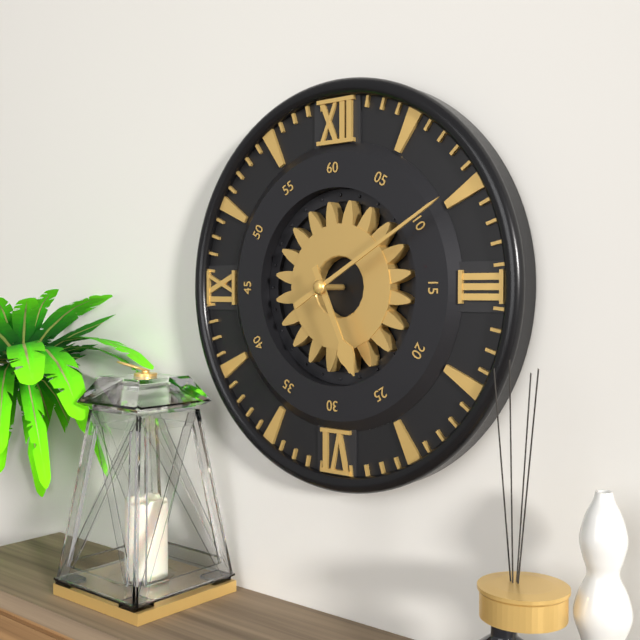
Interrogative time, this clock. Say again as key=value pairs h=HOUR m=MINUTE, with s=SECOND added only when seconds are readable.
h=5 m=10
